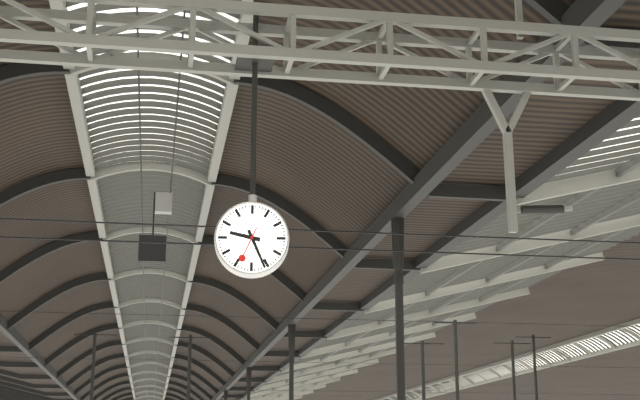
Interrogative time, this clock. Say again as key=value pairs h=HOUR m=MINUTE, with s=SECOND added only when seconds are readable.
h=9 m=26
